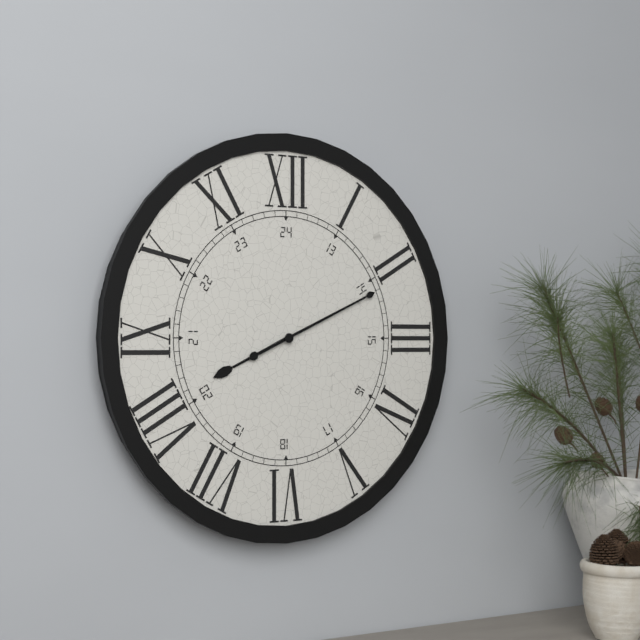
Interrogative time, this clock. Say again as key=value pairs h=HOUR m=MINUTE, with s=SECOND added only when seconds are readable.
h=8 m=11
